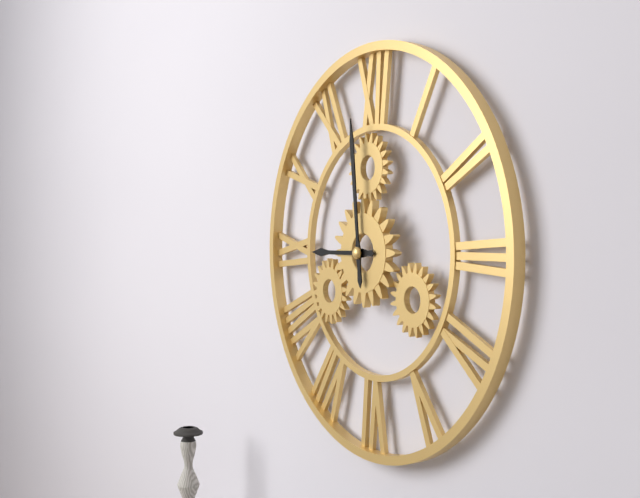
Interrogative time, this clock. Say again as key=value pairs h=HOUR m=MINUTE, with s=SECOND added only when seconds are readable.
h=8 m=59
